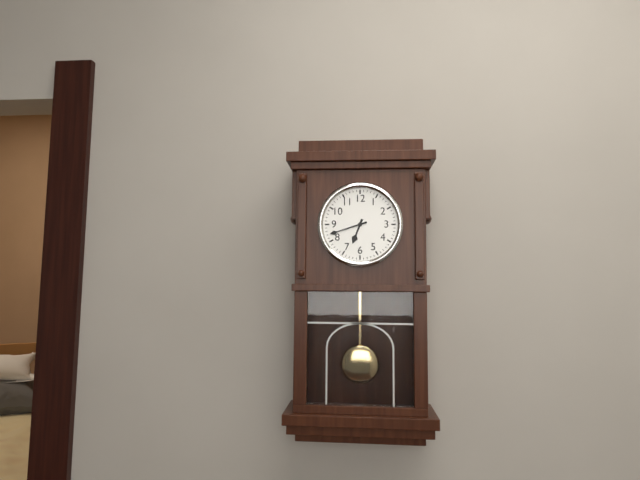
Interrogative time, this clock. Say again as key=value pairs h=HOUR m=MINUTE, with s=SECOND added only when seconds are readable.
h=6 m=42
